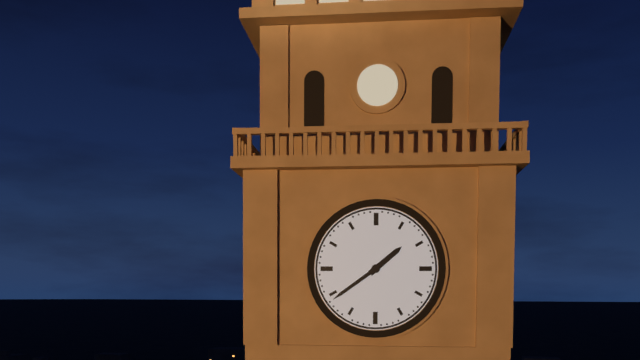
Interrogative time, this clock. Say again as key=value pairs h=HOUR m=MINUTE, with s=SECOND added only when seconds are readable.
h=1 m=39
